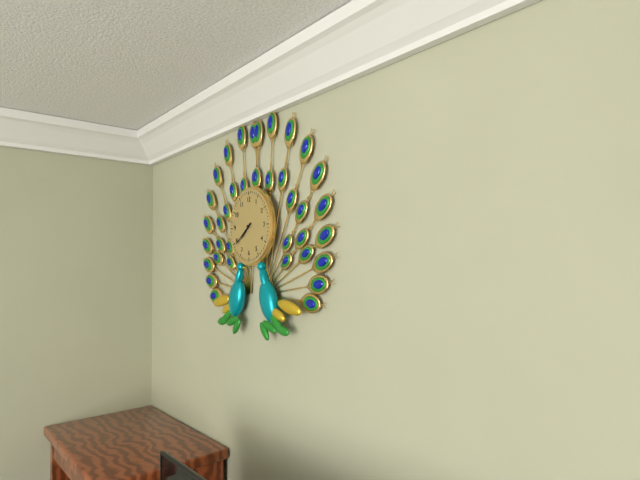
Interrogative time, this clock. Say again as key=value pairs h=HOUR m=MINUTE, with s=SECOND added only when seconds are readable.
h=7 m=39
